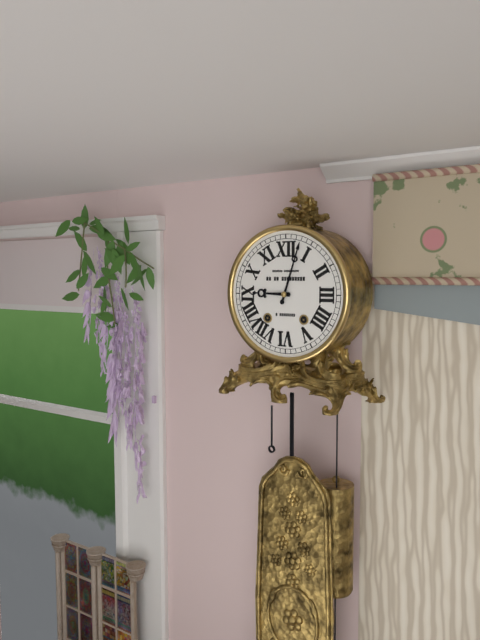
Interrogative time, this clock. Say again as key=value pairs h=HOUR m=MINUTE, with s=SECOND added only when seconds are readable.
h=9 m=3
